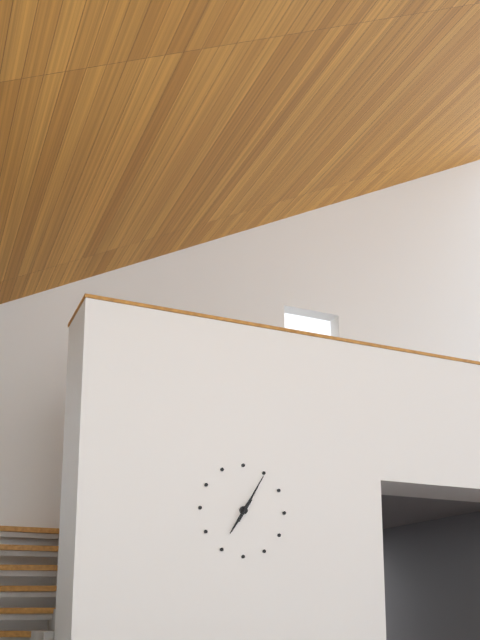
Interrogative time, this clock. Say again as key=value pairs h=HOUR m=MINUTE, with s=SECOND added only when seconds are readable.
h=7 m=5
